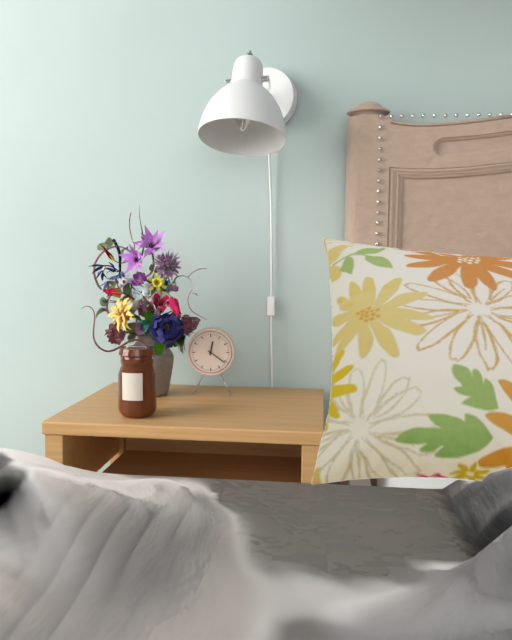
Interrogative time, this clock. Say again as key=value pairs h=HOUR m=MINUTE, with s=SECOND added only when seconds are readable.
h=12 m=21
